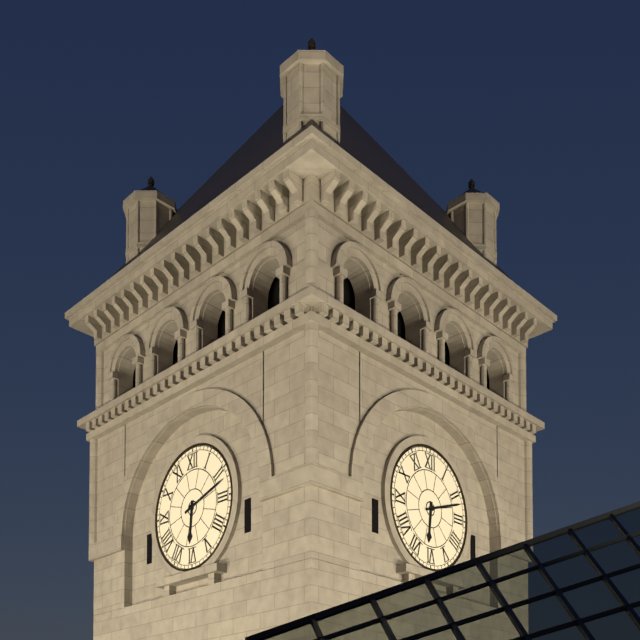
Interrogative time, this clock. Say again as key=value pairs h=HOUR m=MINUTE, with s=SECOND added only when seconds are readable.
h=6 m=12
